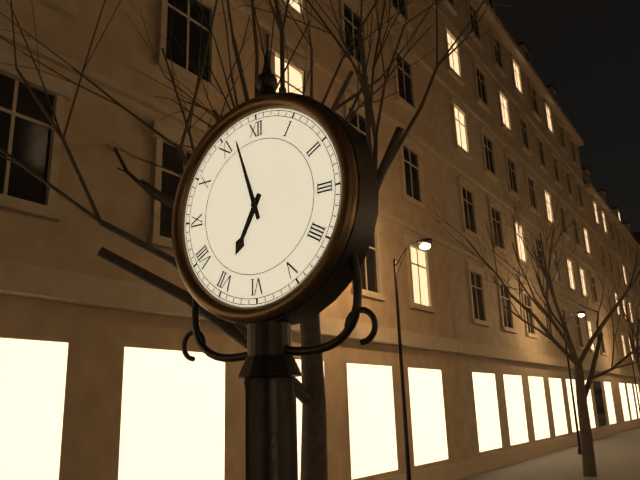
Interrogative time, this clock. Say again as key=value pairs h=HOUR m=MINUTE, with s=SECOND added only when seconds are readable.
h=6 m=57
